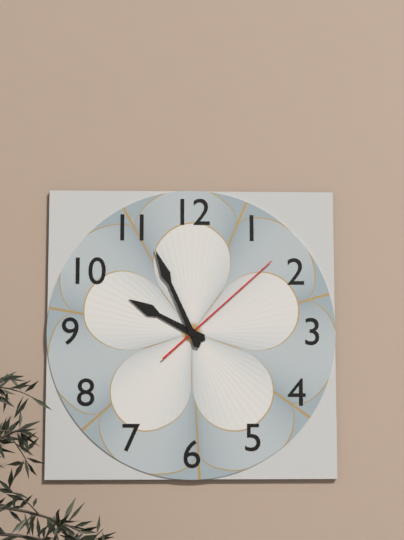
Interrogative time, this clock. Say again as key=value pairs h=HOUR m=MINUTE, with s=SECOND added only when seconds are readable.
h=9 m=56 s=8
